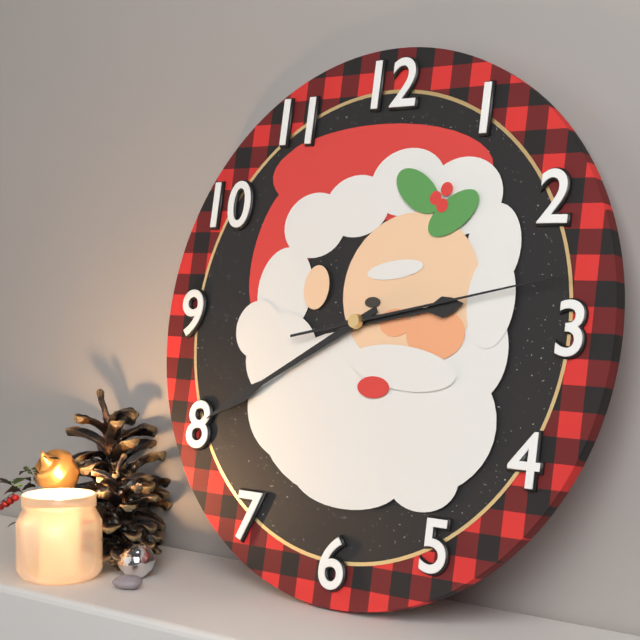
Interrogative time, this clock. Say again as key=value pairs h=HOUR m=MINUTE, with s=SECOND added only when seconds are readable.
h=2 m=40 s=13
